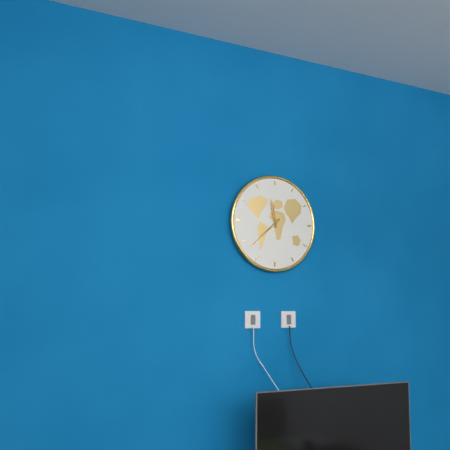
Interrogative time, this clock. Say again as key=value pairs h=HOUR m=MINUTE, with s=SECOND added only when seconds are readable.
h=11 m=38
